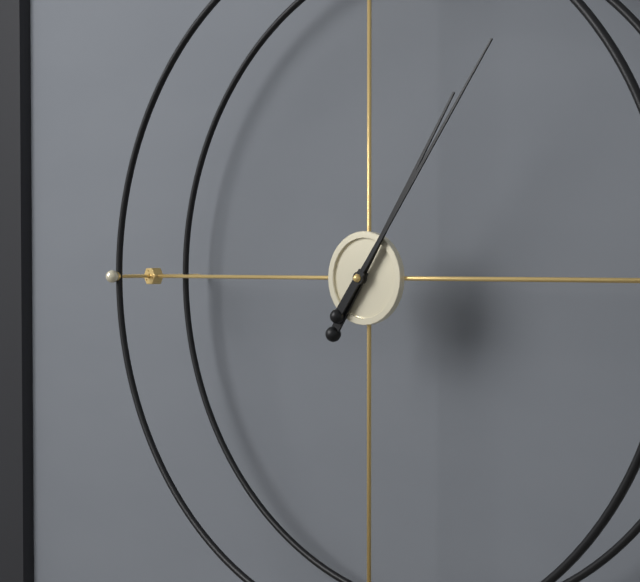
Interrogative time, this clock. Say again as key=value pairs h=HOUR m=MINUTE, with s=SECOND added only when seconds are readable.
h=1 m=6
